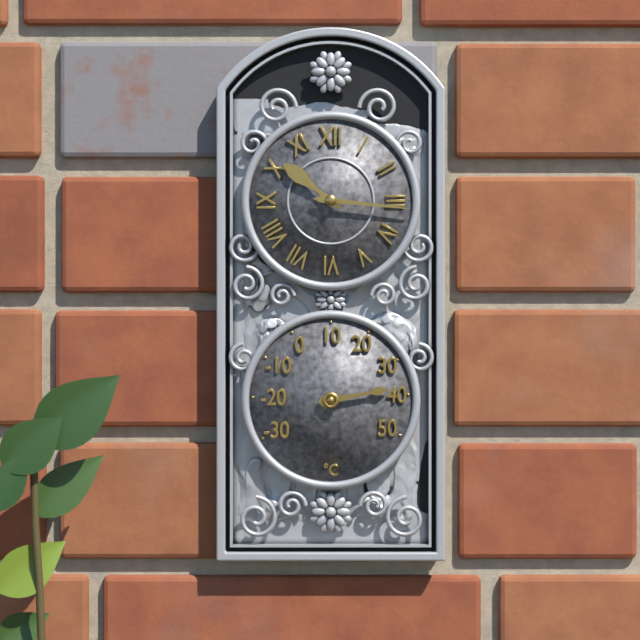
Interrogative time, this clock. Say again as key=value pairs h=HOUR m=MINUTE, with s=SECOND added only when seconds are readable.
h=10 m=16
